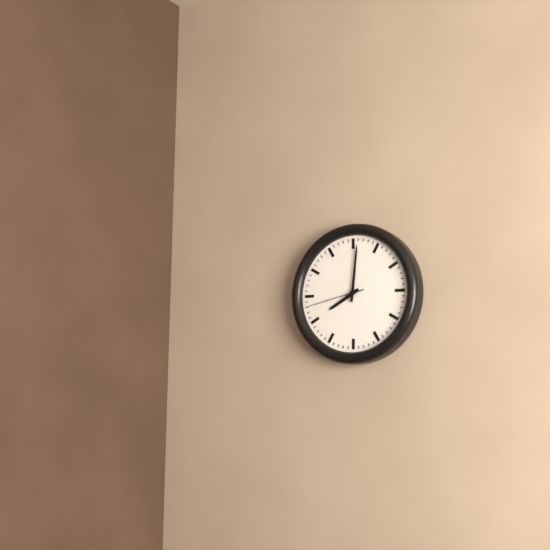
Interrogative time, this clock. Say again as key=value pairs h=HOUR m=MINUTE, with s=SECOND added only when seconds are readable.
h=8 m=1 s=43
